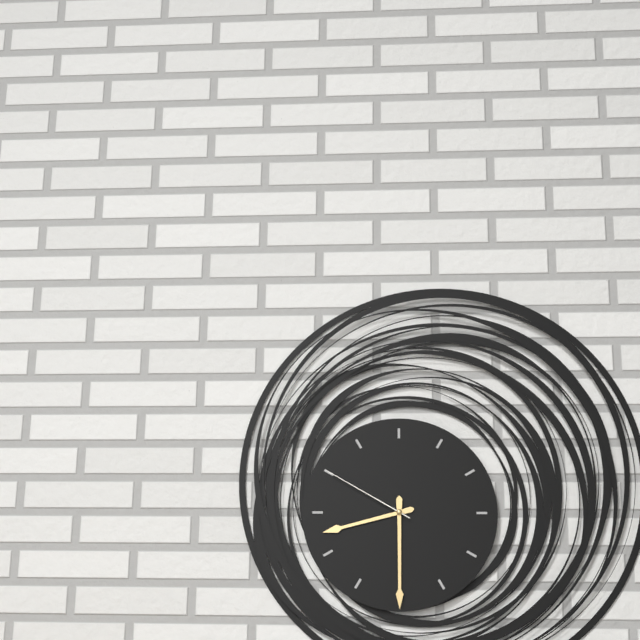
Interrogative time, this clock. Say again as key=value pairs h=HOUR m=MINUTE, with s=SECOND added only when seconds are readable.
h=8 m=30 s=50
